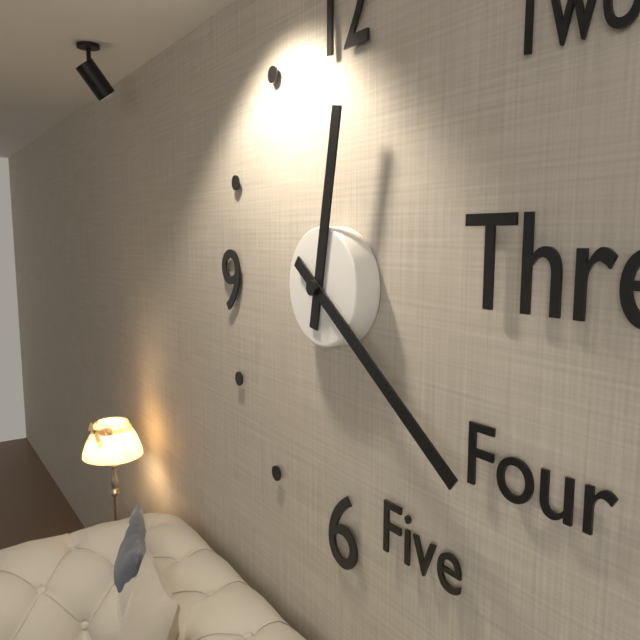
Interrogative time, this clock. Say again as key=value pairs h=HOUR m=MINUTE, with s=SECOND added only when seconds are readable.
h=12 m=21
